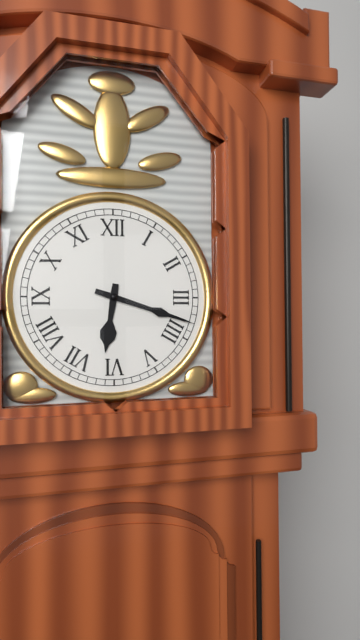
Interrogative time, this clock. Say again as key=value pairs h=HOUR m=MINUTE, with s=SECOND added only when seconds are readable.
h=6 m=18
